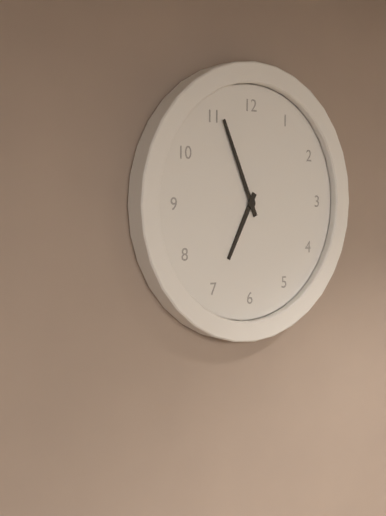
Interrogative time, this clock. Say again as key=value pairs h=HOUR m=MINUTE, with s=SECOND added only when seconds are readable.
h=6 m=56
